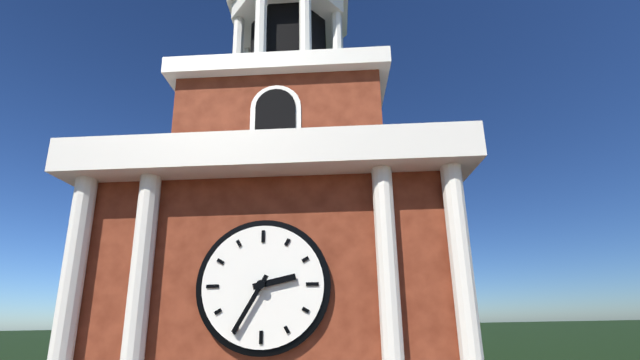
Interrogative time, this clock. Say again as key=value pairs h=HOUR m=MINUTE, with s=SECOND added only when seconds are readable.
h=2 m=35
